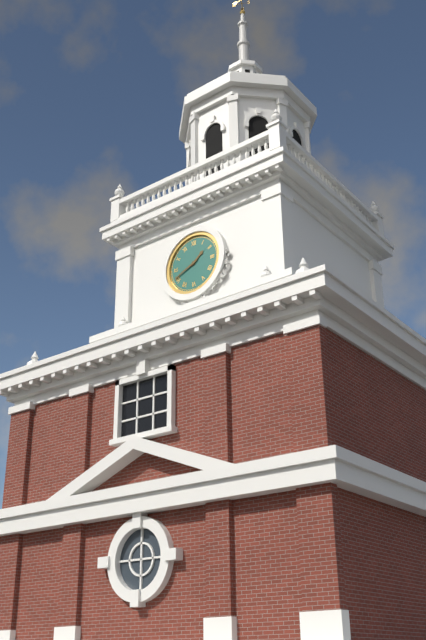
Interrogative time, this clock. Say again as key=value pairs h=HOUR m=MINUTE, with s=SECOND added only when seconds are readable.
h=1 m=41
